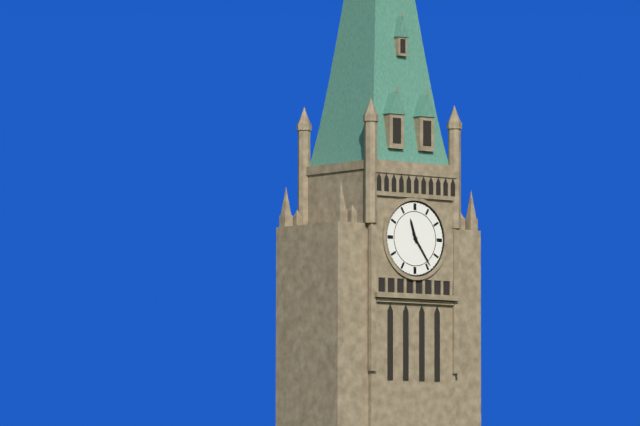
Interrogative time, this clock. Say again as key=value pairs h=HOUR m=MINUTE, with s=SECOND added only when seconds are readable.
h=11 m=24
